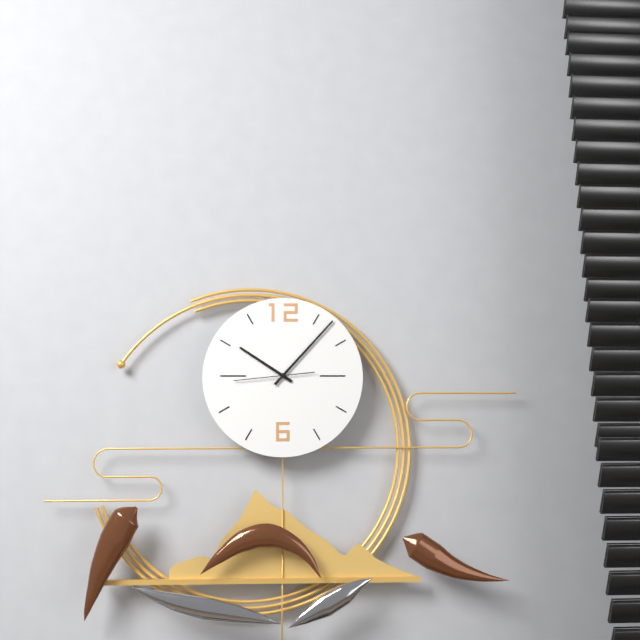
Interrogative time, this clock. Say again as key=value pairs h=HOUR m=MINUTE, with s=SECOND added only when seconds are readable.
h=10 m=7 s=44
